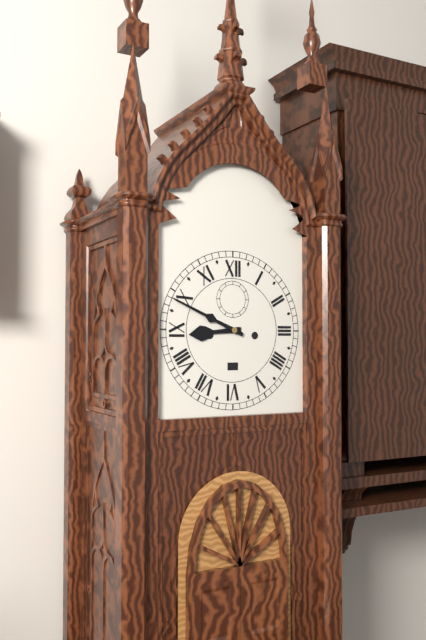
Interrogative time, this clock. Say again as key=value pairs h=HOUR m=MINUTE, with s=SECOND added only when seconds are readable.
h=8 m=49
